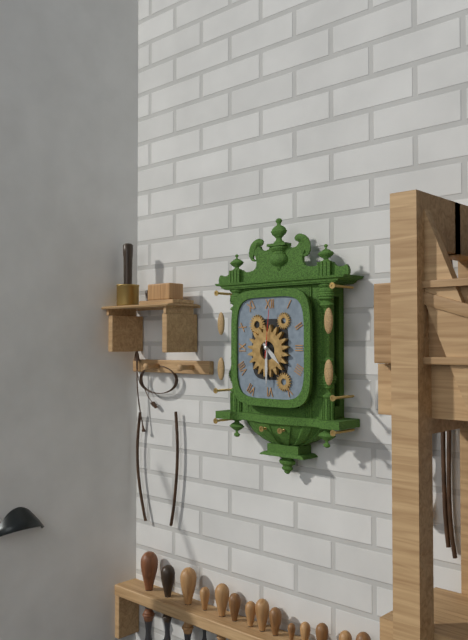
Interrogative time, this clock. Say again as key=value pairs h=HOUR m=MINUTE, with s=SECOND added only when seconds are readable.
h=4 m=30
